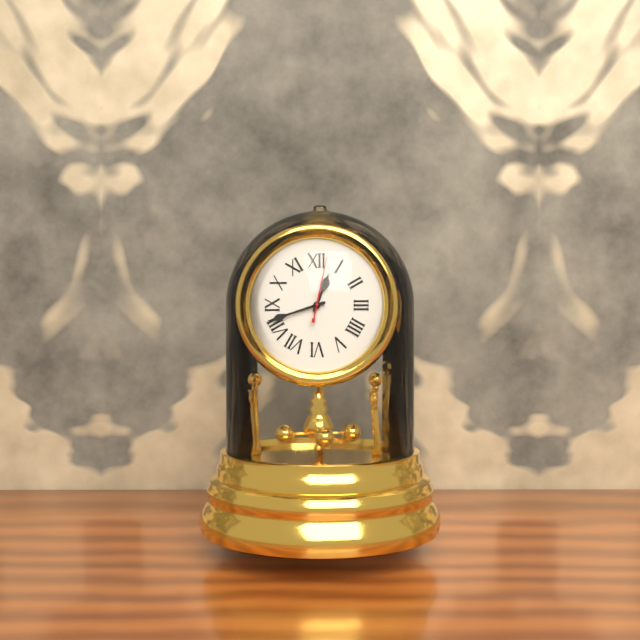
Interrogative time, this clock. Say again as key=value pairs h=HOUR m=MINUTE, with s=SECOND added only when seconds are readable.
h=12 m=42 s=2
